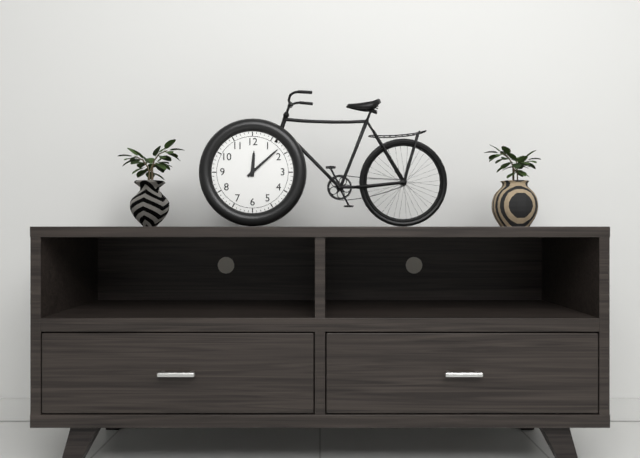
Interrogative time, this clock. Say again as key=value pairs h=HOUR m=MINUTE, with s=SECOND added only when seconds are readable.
h=12 m=8
